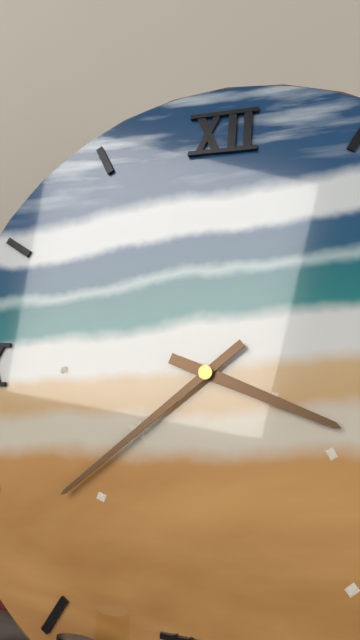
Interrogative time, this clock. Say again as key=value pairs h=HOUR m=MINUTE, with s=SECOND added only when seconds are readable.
h=3 m=38
